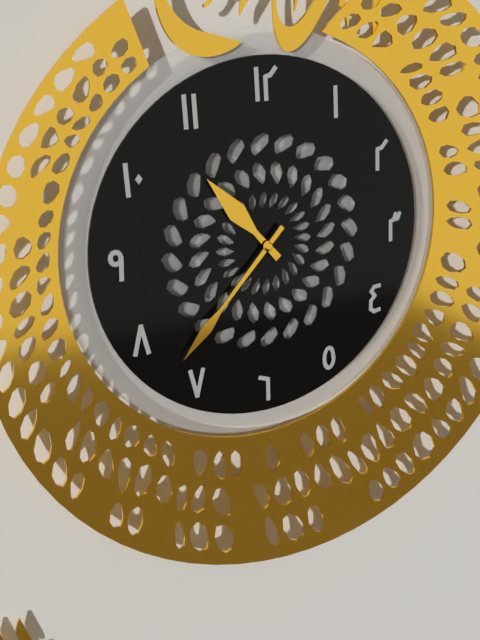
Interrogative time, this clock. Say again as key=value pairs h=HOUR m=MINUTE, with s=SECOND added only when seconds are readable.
h=10 m=37
